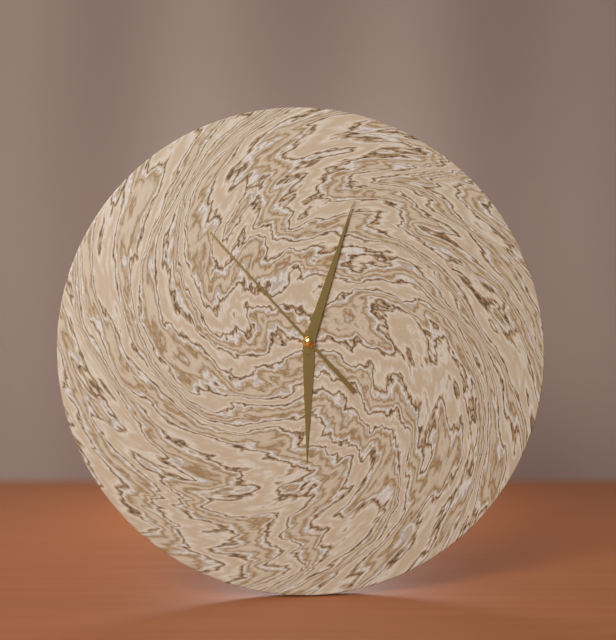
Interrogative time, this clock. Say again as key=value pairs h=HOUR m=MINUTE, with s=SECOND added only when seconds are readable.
h=6 m=3 s=53
